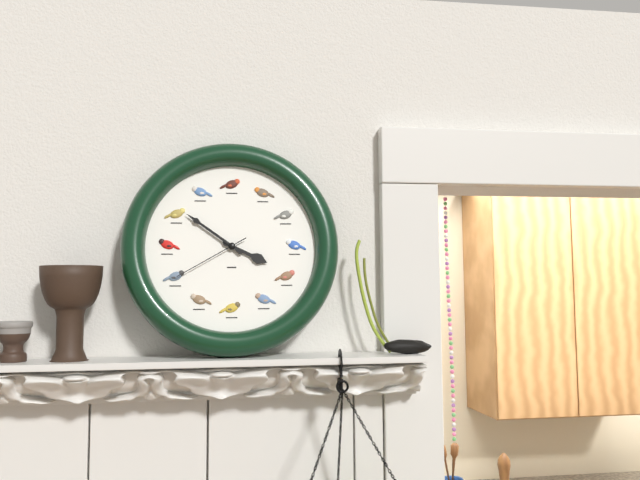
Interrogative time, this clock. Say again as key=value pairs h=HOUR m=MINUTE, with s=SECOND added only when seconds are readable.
h=3 m=51 s=40
